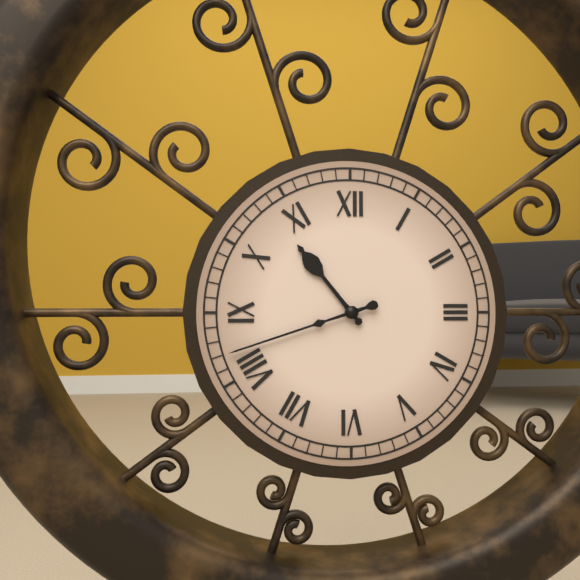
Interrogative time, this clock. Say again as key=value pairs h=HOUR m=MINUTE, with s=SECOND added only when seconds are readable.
h=10 m=42
